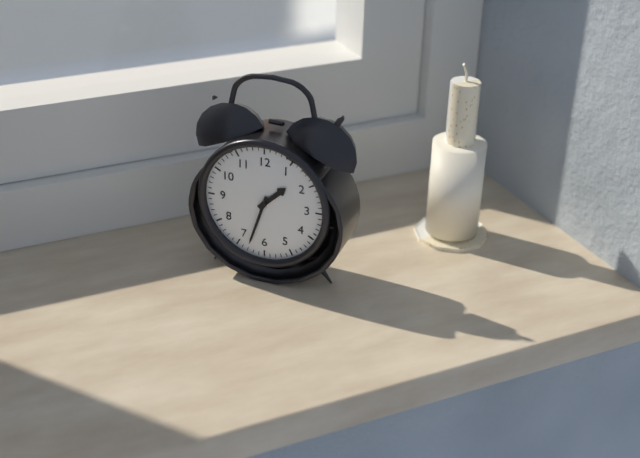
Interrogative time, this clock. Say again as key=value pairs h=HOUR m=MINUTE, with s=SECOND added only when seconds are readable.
h=1 m=33
